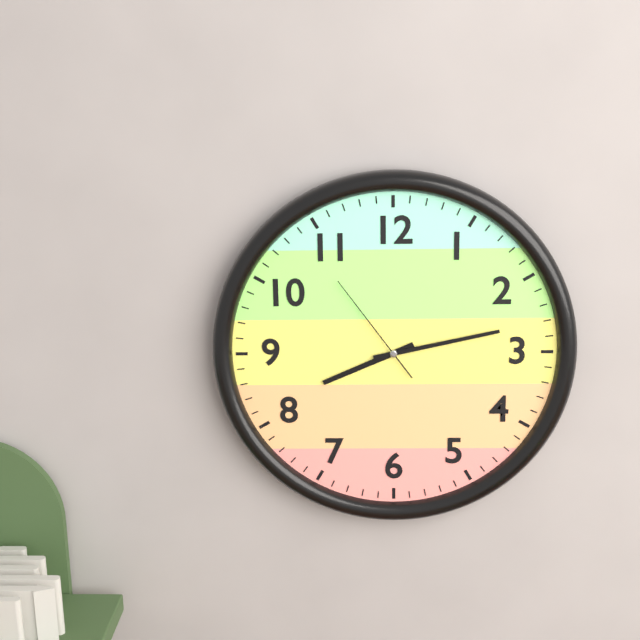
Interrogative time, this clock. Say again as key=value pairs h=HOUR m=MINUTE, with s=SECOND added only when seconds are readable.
h=8 m=13 s=54
